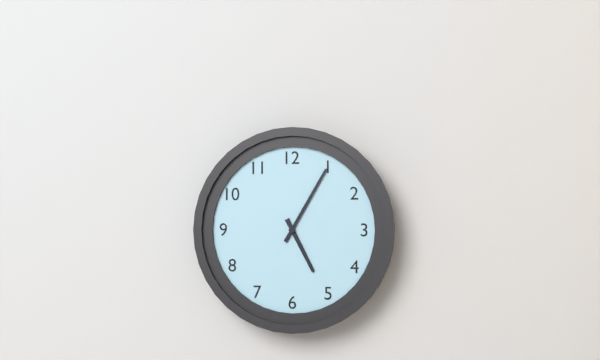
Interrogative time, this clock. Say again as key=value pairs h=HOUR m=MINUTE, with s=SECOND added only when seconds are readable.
h=5 m=5
